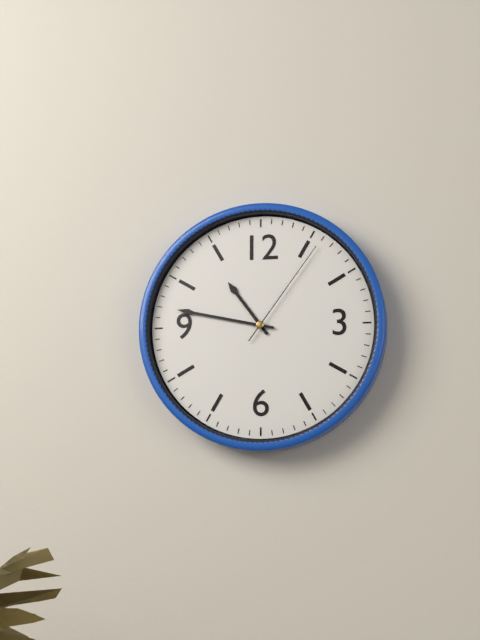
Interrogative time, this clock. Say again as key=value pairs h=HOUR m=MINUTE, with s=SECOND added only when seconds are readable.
h=10 m=47 s=6
